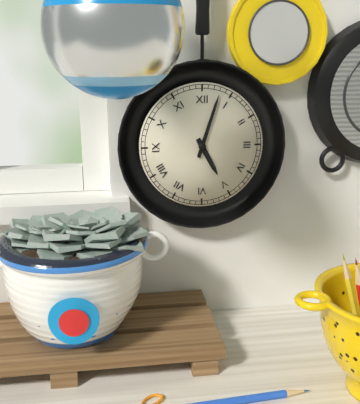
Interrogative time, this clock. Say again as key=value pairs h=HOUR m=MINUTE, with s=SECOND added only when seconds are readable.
h=5 m=3
